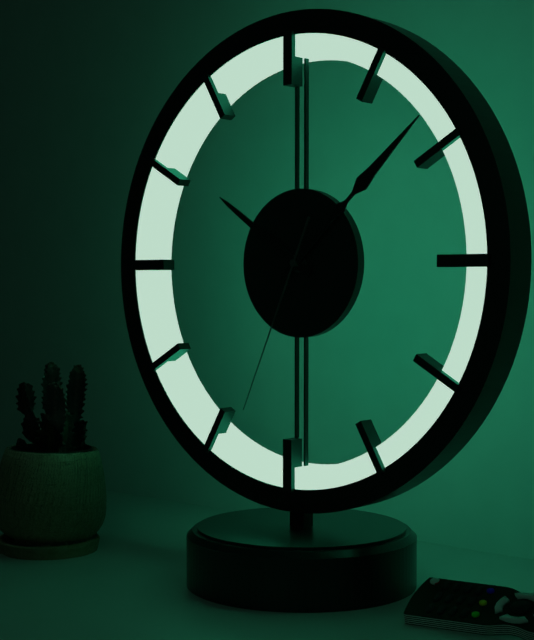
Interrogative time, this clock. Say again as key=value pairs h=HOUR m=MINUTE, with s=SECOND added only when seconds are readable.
h=10 m=8 s=34
